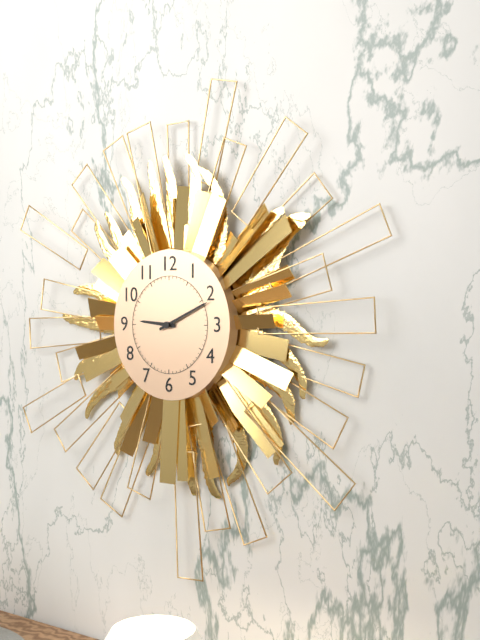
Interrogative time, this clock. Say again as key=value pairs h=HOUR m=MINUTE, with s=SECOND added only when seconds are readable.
h=9 m=11
